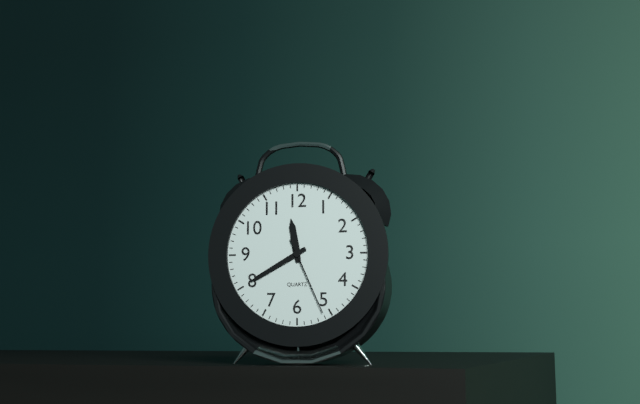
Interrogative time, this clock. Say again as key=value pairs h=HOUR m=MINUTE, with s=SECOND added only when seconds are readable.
h=11 m=40 s=26
